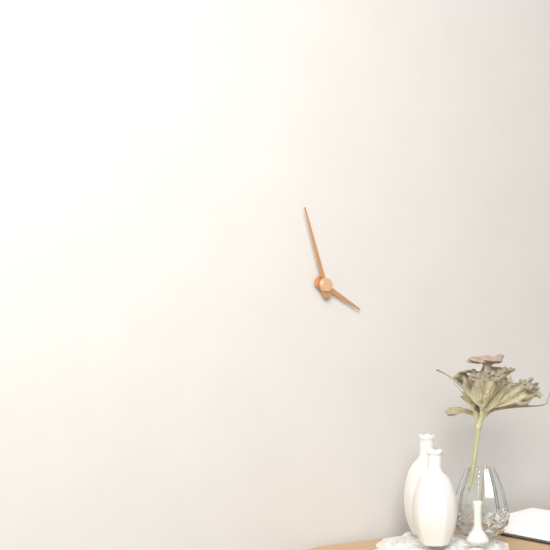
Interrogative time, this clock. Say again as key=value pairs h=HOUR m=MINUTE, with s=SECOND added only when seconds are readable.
h=3 m=57
